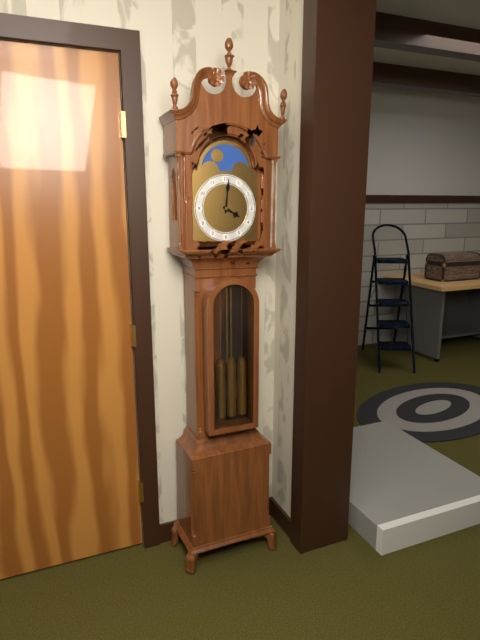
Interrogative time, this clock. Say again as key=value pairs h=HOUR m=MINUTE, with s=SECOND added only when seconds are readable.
h=4 m=1
